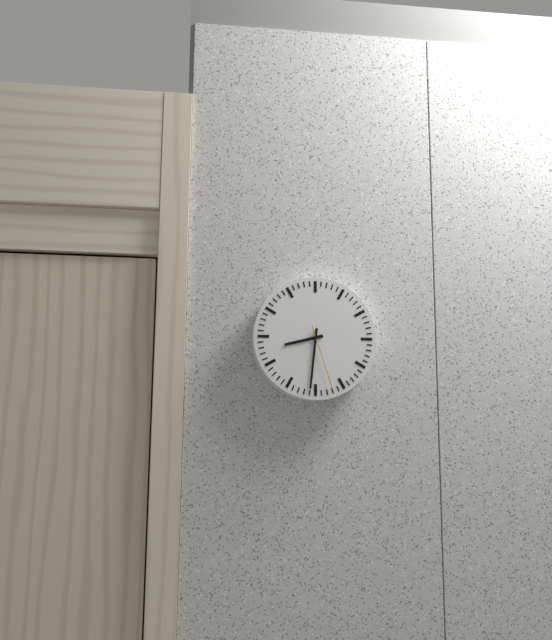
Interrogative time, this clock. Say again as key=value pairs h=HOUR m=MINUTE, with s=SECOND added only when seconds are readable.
h=8 m=31 s=27
